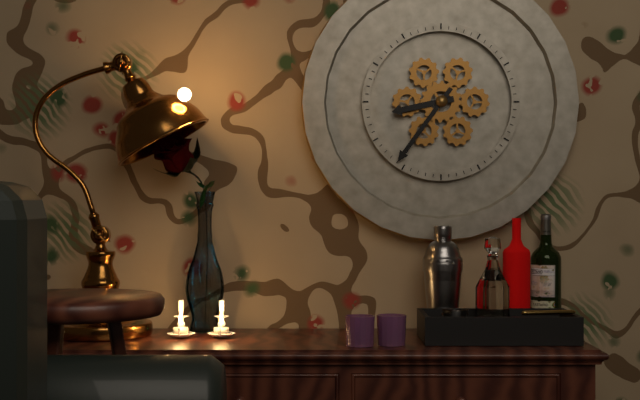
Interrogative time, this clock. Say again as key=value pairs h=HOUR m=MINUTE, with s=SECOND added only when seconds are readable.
h=8 m=36
